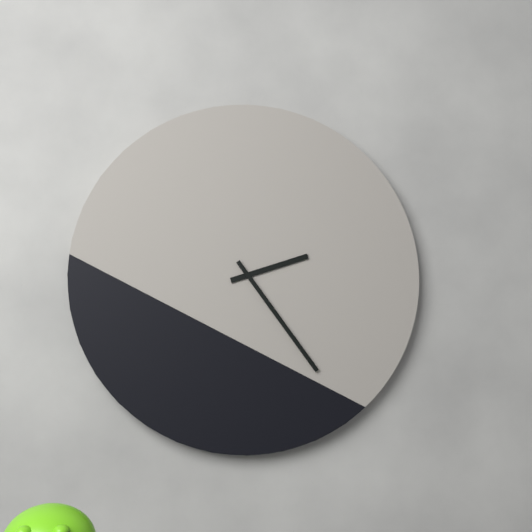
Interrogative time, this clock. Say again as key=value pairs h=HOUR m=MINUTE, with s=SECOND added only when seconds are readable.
h=2 m=24
